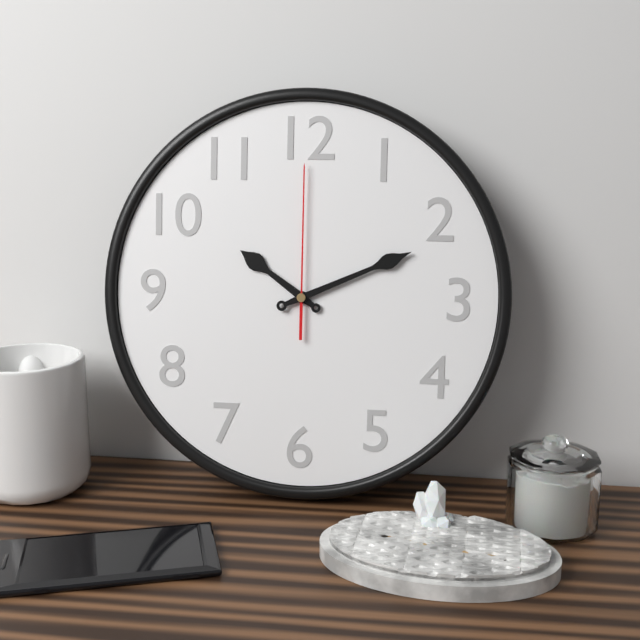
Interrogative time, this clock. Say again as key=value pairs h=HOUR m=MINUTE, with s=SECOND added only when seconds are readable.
h=10 m=11 s=0
